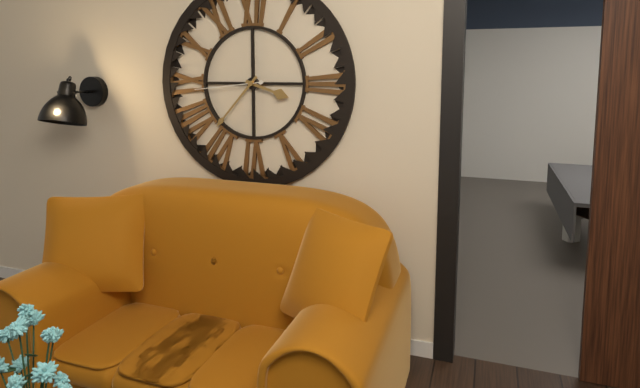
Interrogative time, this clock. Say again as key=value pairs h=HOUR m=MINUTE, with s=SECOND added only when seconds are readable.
h=3 m=37 s=44
